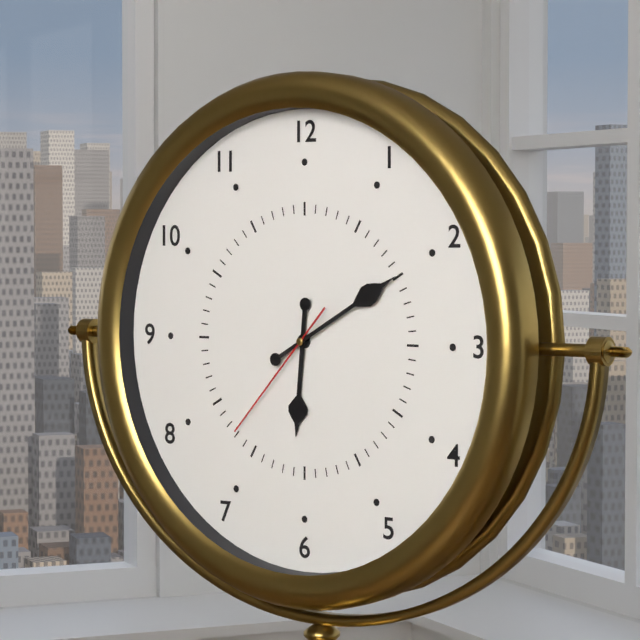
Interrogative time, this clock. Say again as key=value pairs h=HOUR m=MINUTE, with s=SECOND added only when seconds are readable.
h=6 m=10 s=37
